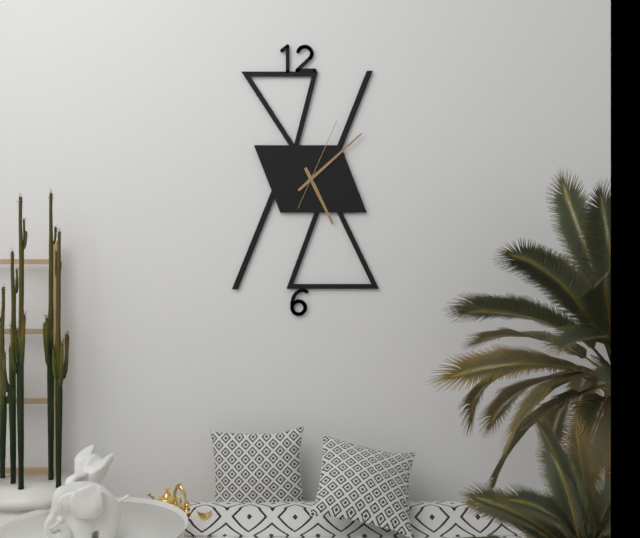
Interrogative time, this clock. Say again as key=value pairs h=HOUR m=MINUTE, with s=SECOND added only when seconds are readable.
h=5 m=8 s=4
